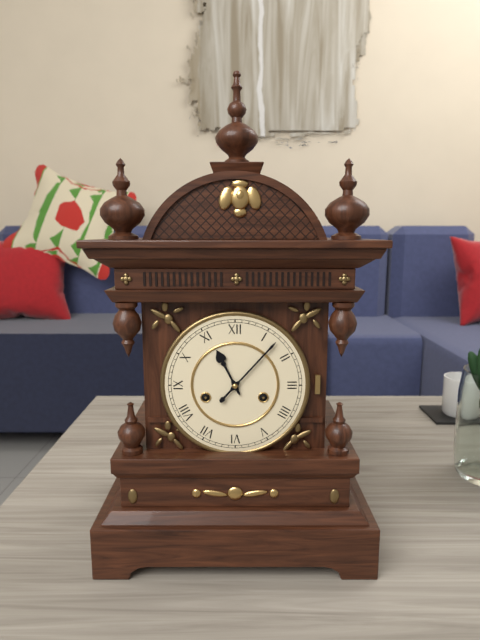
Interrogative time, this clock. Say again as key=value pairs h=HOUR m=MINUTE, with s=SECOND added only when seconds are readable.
h=11 m=7
